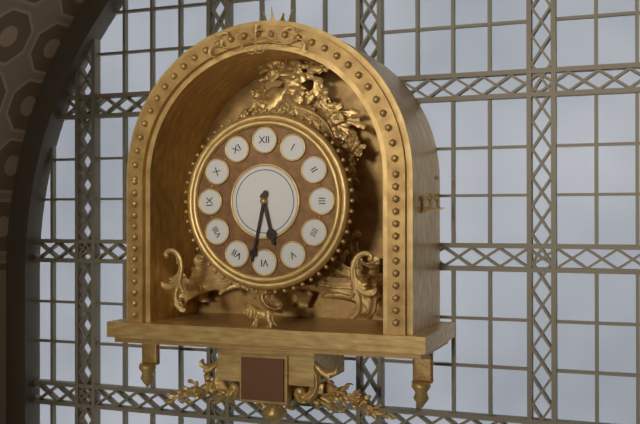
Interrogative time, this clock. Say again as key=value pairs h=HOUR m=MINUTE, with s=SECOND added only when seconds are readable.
h=5 m=32
